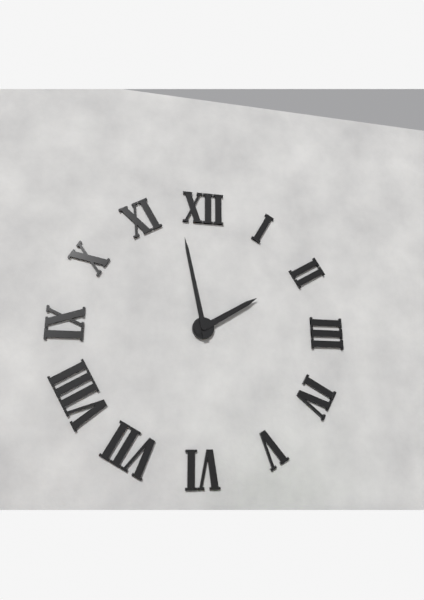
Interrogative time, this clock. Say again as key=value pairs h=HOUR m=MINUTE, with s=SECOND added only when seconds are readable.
h=1 m=58
